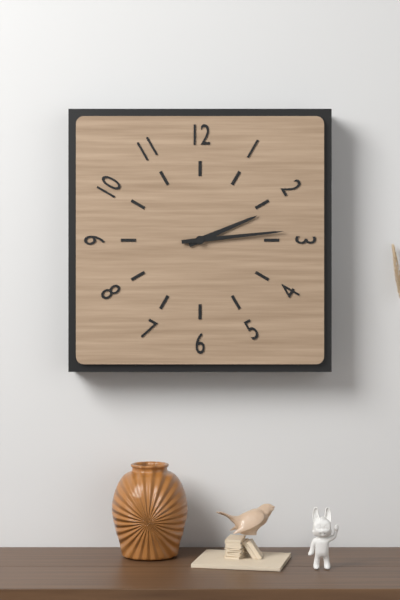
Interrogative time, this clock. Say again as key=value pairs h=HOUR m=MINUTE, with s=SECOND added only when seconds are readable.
h=2 m=14
